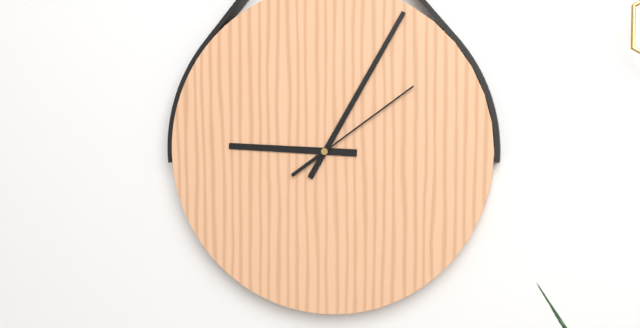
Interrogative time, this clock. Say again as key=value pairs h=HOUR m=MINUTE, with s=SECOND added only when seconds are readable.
h=9 m=5 s=9
